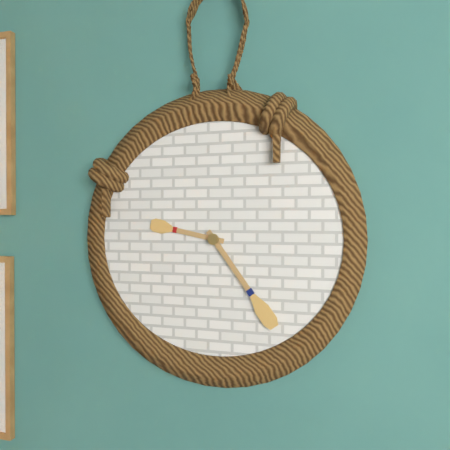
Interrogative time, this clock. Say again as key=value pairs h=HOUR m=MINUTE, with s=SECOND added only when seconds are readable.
h=9 m=24
